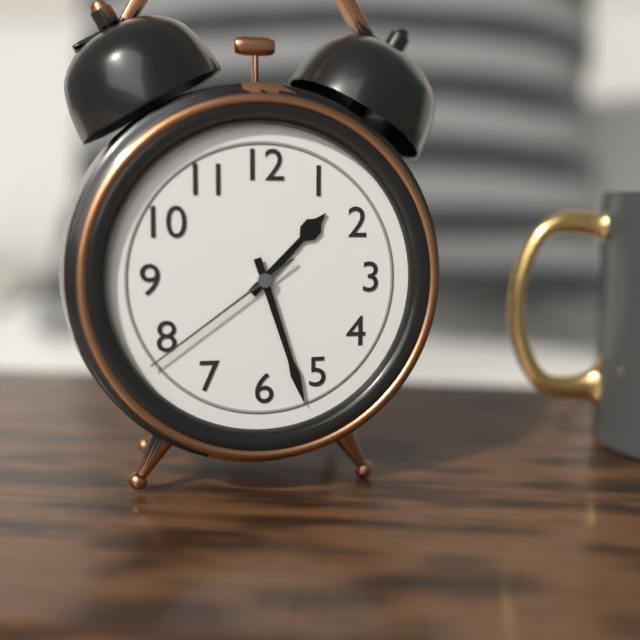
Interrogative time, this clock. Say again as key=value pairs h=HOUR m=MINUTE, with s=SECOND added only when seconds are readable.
h=1 m=27 s=39
